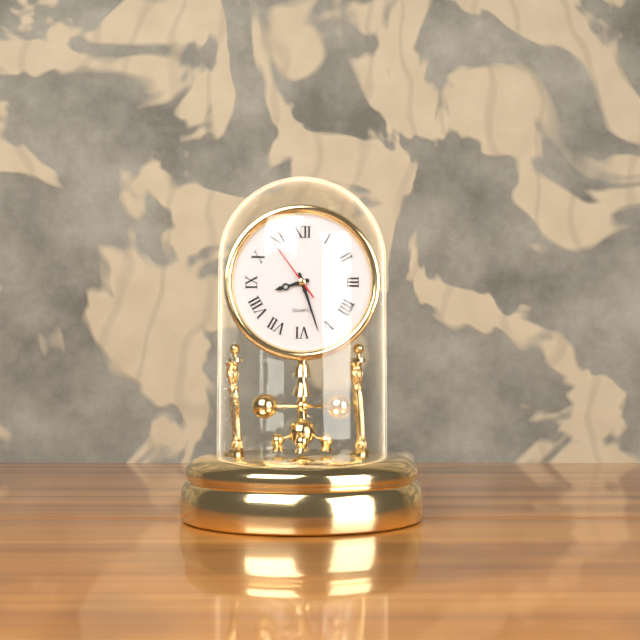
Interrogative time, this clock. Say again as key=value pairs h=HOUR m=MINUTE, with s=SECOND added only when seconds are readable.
h=8 m=27 s=54
